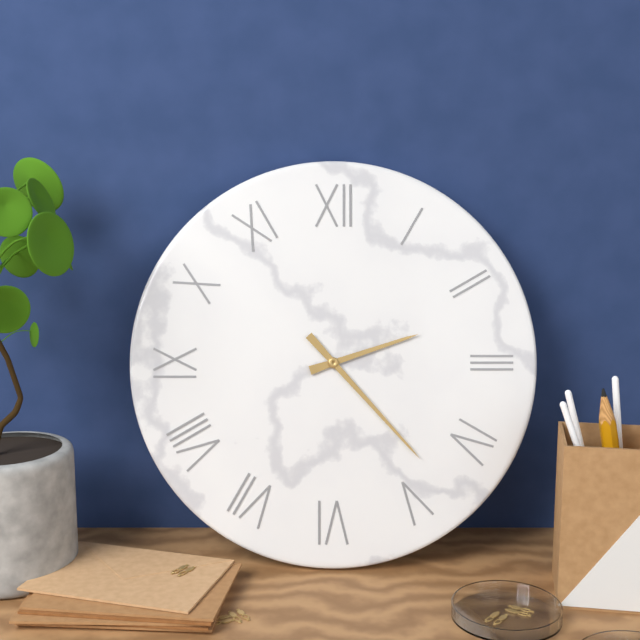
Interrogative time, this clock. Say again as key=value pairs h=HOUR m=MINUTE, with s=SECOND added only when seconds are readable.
h=2 m=23
